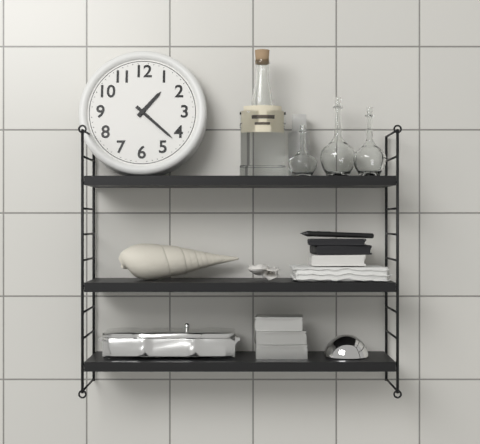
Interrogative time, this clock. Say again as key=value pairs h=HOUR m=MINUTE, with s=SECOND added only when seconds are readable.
h=1 m=22
